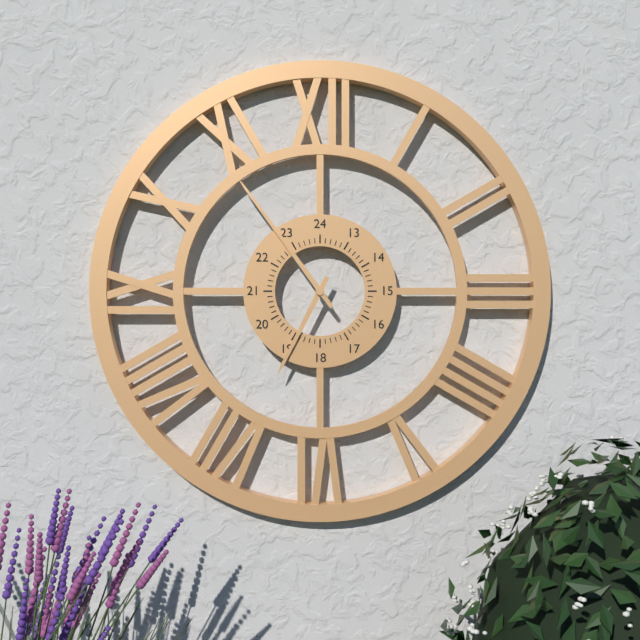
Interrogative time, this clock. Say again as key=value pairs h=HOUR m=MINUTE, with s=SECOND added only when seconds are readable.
h=6 m=54
